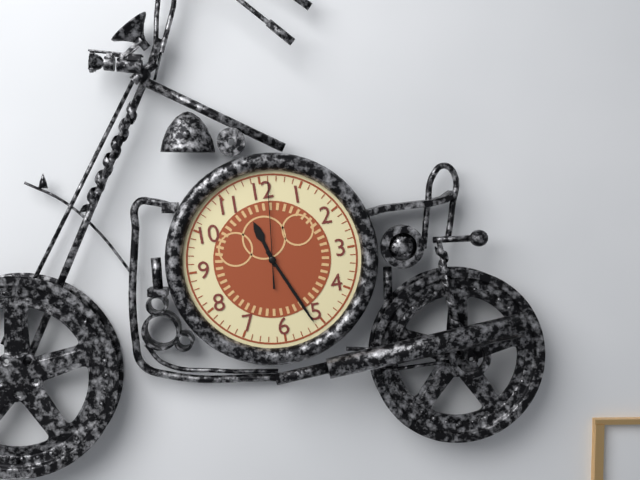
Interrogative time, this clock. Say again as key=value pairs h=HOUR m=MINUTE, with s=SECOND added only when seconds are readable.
h=11 m=26 s=1
